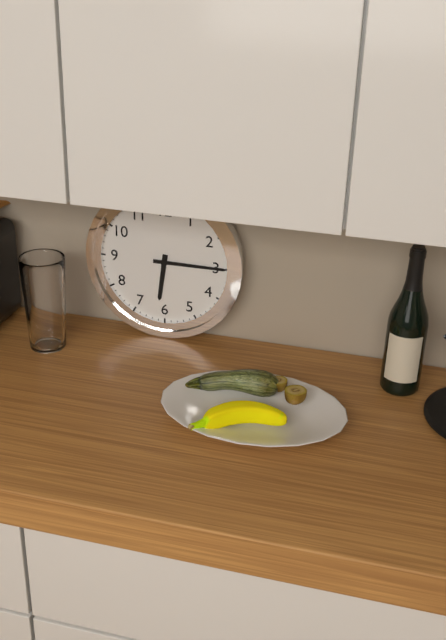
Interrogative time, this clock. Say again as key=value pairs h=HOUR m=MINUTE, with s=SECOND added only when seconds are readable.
h=6 m=15
